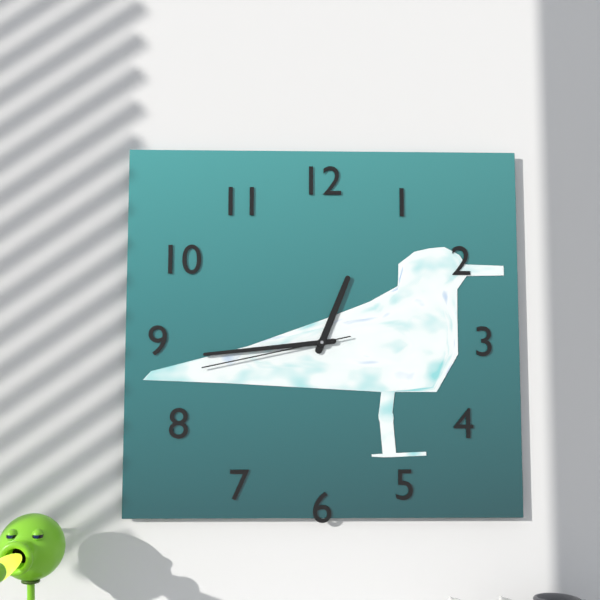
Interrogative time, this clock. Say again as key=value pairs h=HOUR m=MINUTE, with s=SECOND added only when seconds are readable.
h=12 m=44 s=43
